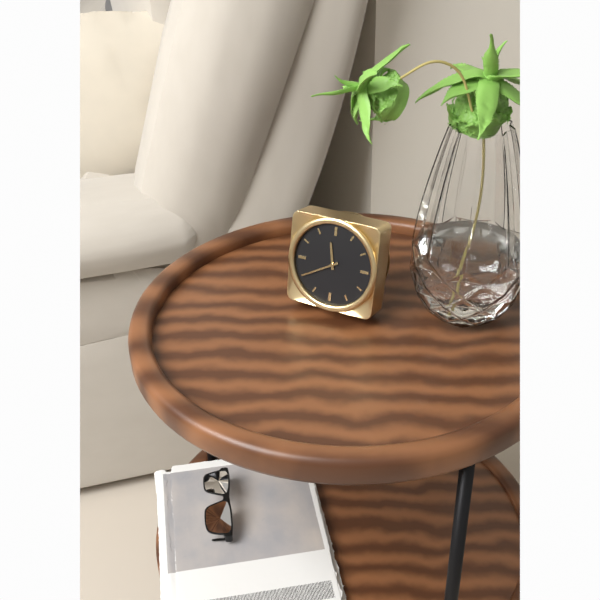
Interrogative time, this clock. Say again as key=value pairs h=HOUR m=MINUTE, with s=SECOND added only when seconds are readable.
h=11 m=40
